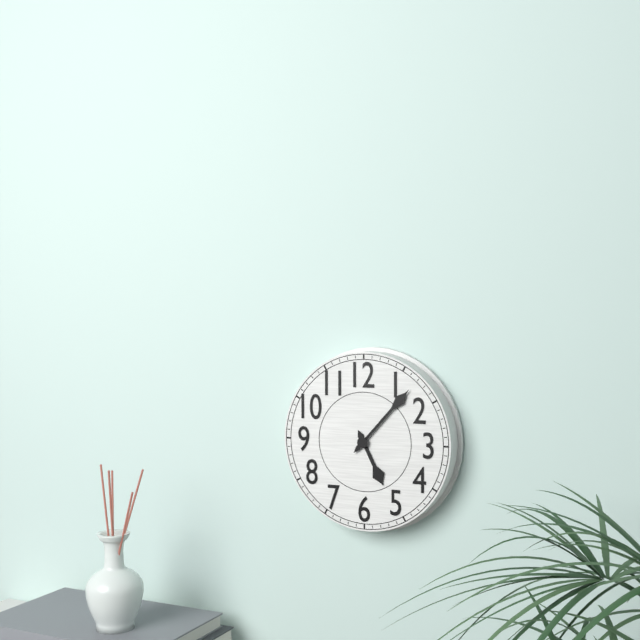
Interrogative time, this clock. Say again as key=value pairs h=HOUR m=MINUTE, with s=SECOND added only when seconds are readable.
h=5 m=7
